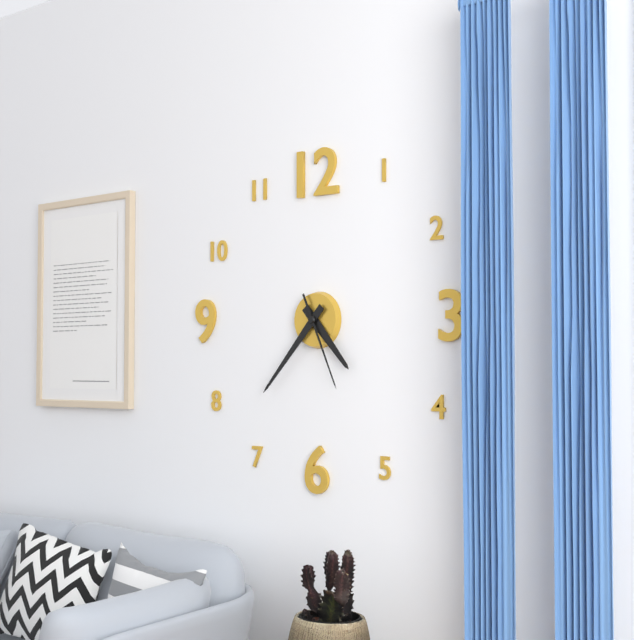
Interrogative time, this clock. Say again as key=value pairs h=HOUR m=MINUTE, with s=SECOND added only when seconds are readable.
h=4 m=37 s=26
